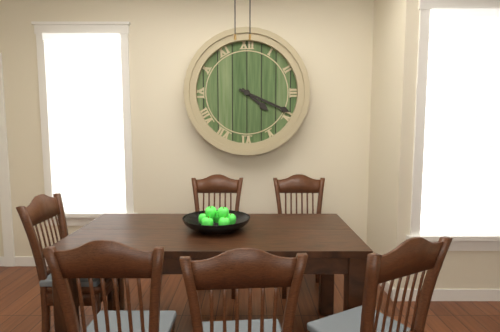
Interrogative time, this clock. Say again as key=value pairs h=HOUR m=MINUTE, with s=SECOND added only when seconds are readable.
h=4 m=19
